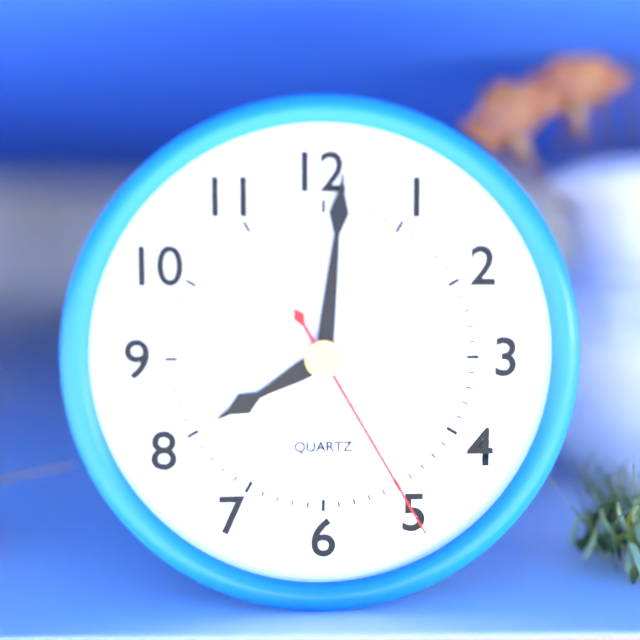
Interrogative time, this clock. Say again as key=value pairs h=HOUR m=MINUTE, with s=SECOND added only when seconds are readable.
h=8 m=1 s=25
